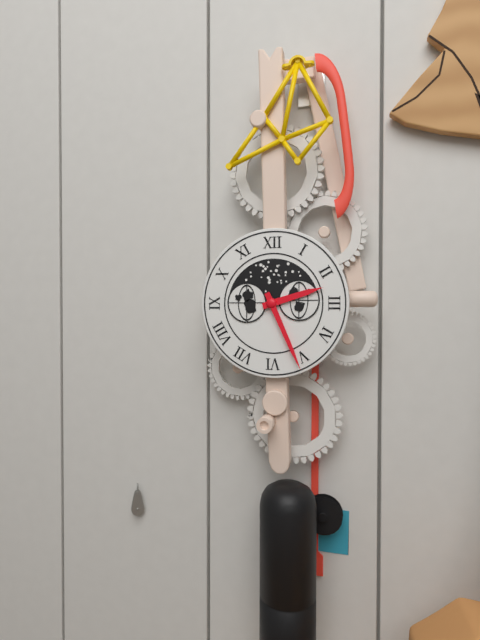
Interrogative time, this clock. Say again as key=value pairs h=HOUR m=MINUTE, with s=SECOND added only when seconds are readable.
h=2 m=26
